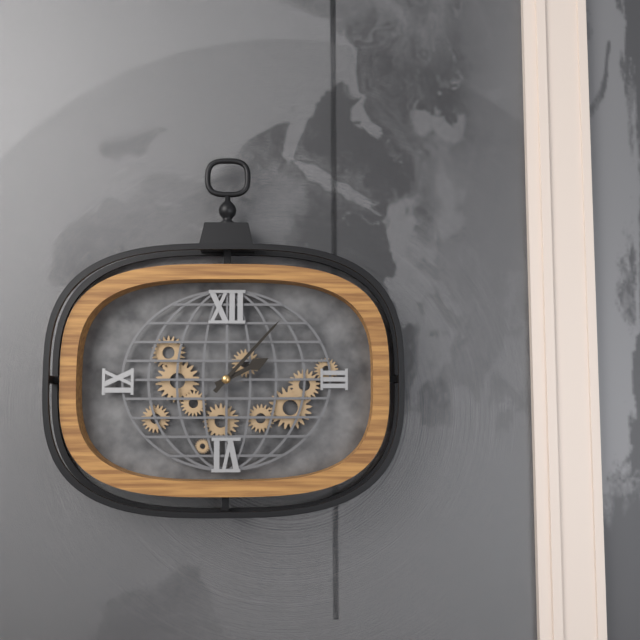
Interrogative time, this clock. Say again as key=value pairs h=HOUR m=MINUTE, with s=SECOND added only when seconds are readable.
h=2 m=7
